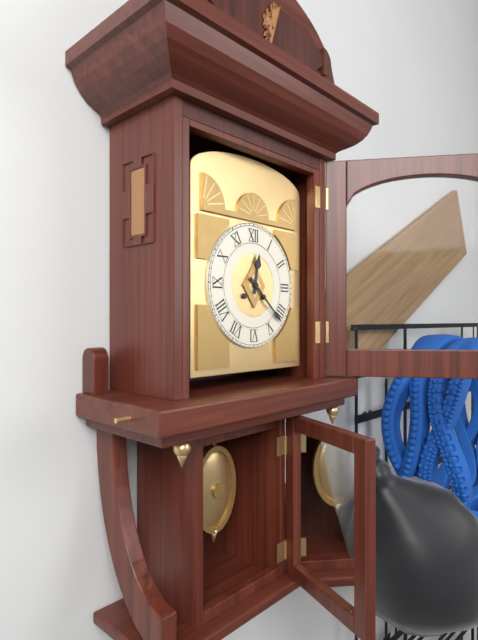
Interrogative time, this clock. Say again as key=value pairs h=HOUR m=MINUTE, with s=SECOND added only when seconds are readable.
h=12 m=22
